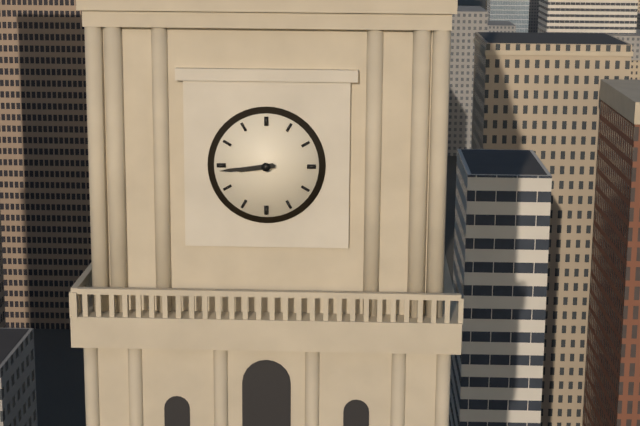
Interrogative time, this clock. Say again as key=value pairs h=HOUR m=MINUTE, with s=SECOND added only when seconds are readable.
h=8 m=44
